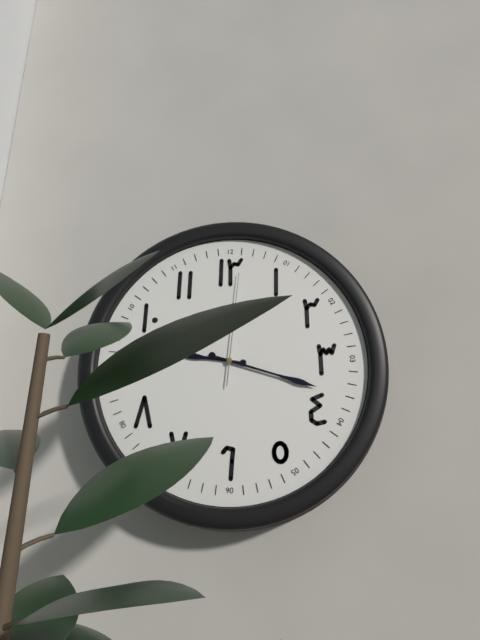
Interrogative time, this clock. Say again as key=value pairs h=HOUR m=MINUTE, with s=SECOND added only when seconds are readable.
h=9 m=18 s=1
